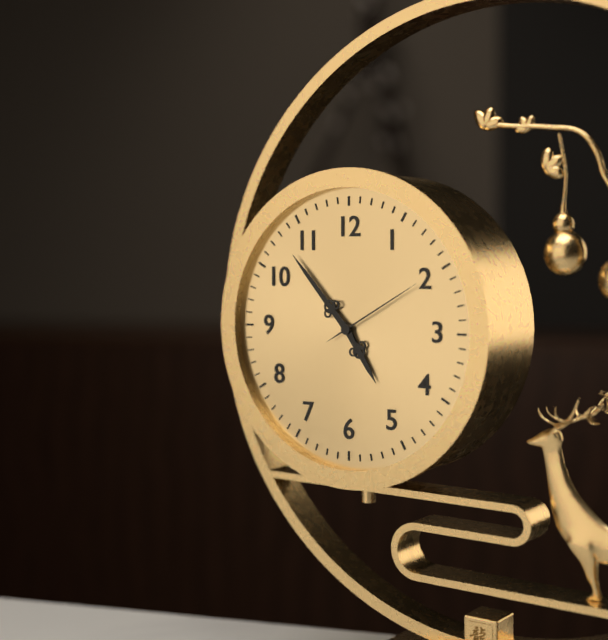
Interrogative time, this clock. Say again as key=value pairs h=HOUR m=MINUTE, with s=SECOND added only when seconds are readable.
h=4 m=53 s=10
